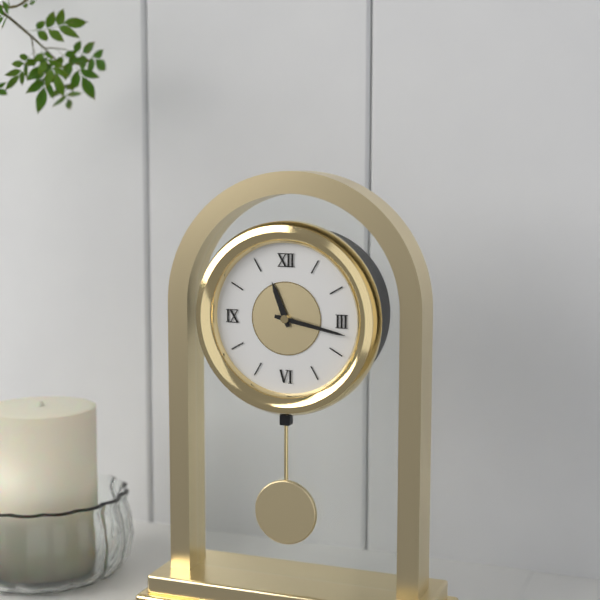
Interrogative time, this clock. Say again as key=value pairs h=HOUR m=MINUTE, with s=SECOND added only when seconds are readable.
h=11 m=17
